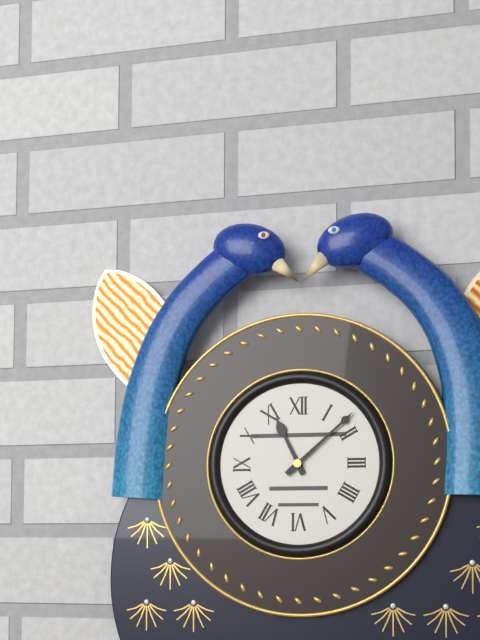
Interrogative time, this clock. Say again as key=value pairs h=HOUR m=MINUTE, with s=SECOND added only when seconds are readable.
h=11 m=8
